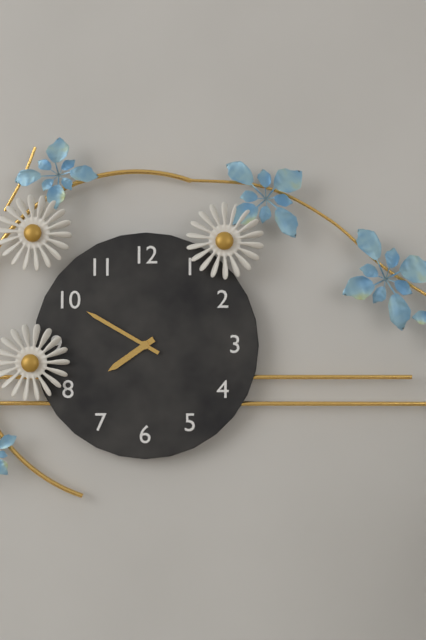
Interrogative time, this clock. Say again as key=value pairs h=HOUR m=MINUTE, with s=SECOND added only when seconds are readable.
h=7 m=50
